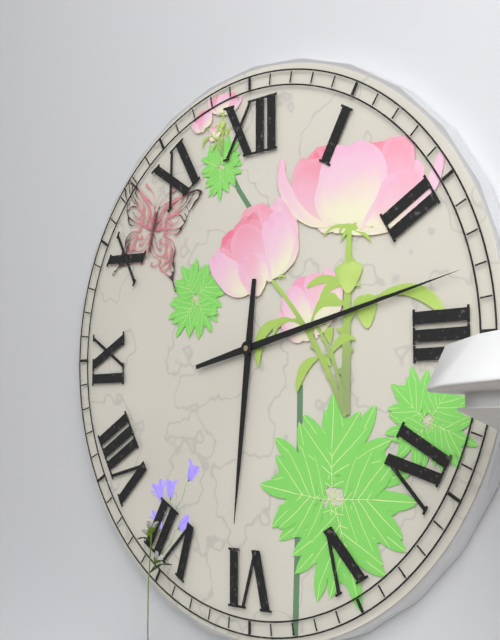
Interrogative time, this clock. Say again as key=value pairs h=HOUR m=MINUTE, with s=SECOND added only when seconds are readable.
h=6 m=13
